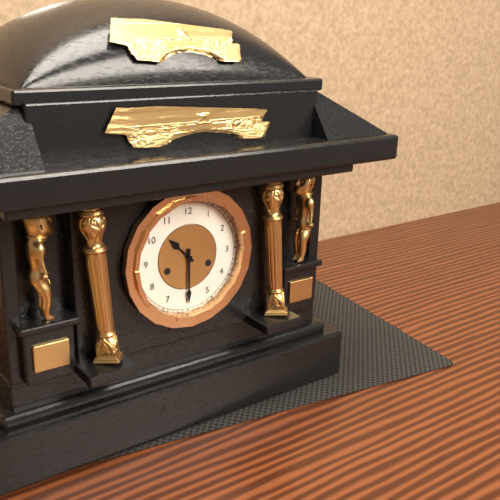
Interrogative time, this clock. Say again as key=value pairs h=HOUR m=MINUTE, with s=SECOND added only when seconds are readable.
h=10 m=30
